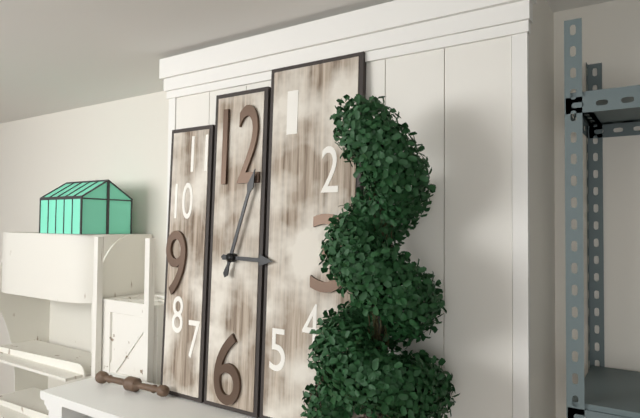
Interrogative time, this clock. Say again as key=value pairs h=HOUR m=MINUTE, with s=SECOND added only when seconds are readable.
h=3 m=3
